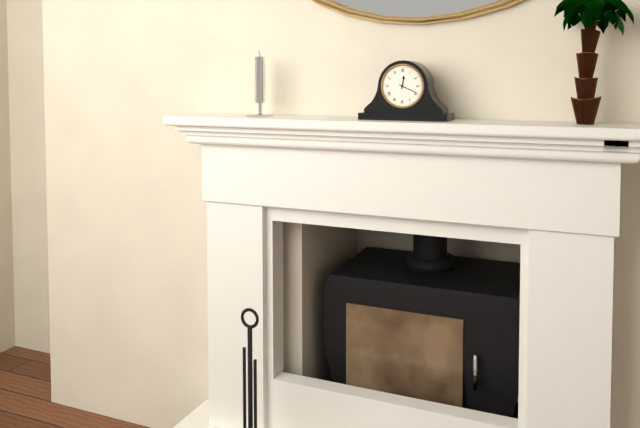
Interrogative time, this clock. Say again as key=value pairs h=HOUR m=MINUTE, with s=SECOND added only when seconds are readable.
h=12 m=19
